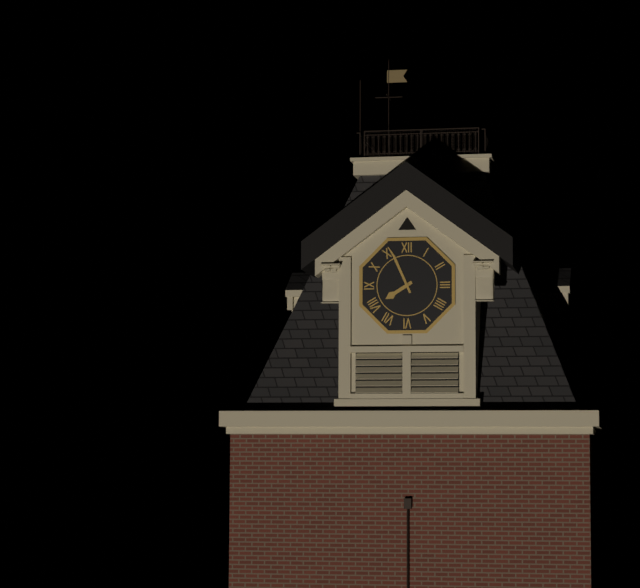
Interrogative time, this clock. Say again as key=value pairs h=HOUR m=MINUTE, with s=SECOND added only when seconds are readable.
h=7 m=56
